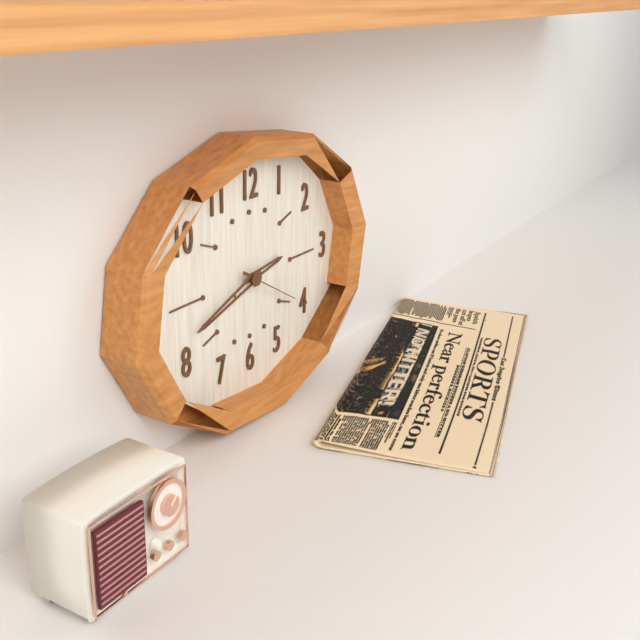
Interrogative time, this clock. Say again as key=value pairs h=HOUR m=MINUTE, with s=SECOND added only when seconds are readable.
h=2 m=42 s=20
